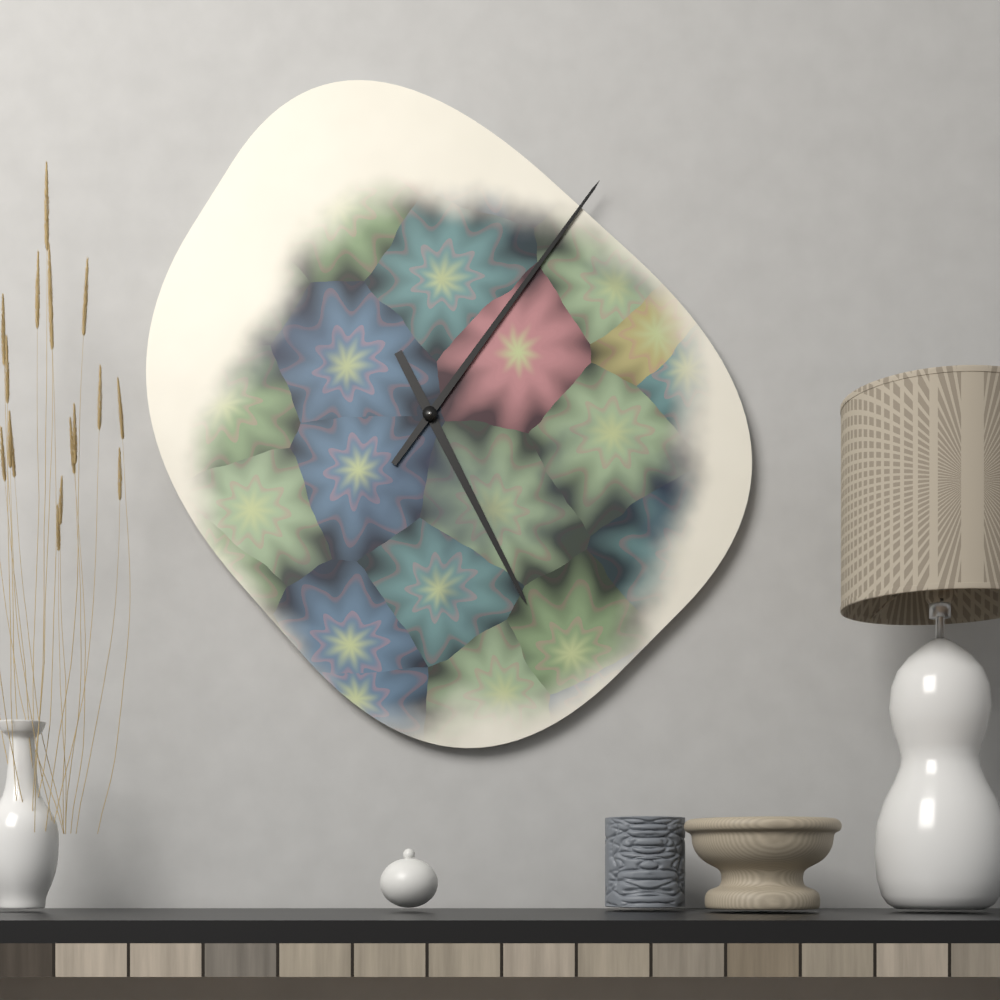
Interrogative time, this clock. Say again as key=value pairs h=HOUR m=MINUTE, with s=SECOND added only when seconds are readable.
h=5 m=6
